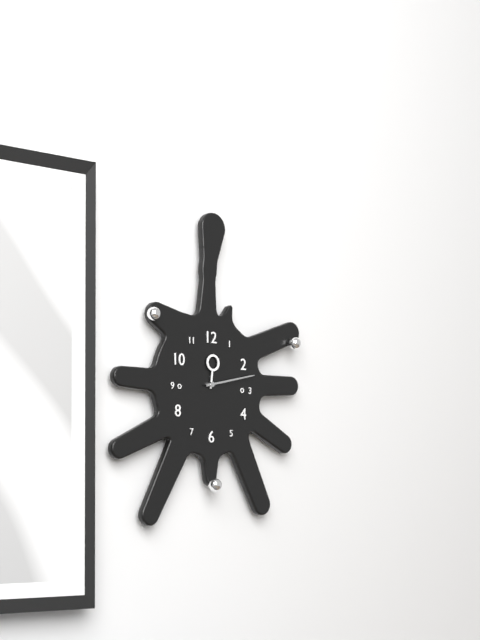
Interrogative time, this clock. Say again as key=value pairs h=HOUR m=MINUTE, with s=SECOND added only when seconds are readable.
h=12 m=13
